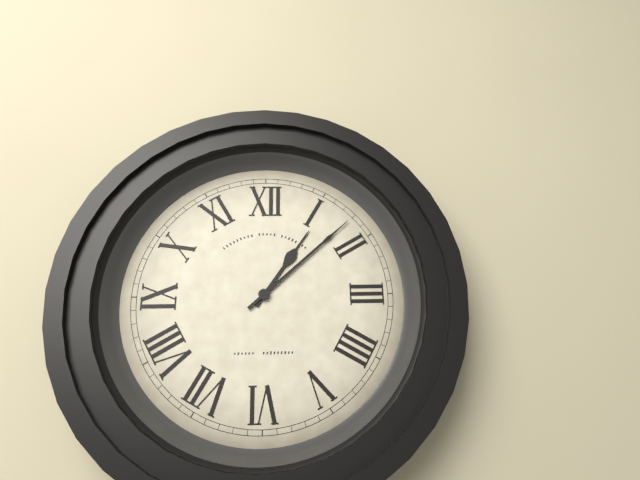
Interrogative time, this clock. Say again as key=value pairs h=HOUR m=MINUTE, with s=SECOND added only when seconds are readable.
h=1 m=8
